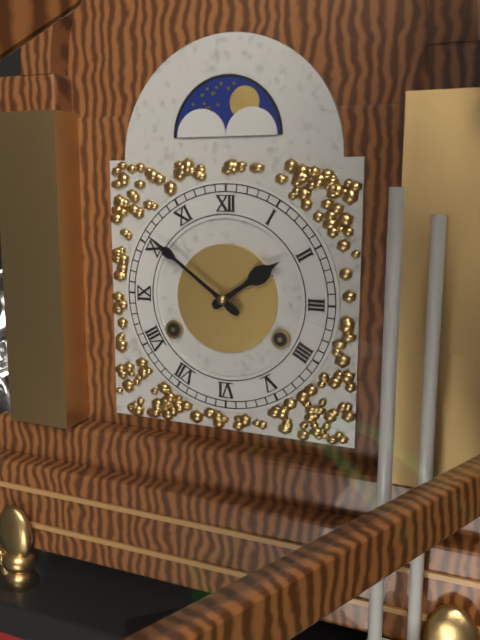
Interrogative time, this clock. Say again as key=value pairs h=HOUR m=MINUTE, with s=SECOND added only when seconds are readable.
h=1 m=51
